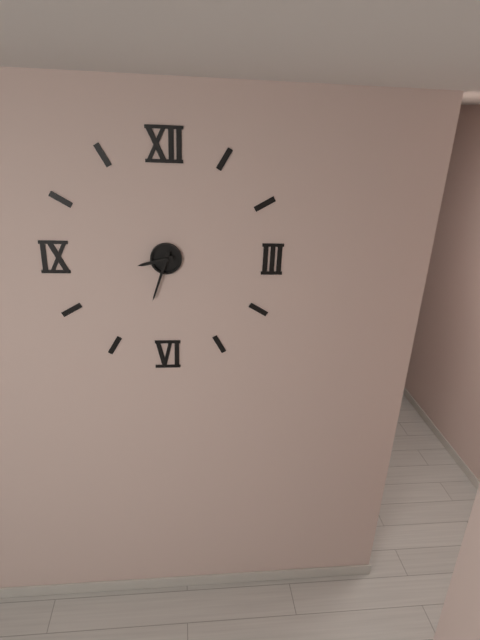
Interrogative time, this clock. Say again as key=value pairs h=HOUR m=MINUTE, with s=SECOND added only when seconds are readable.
h=8 m=33
